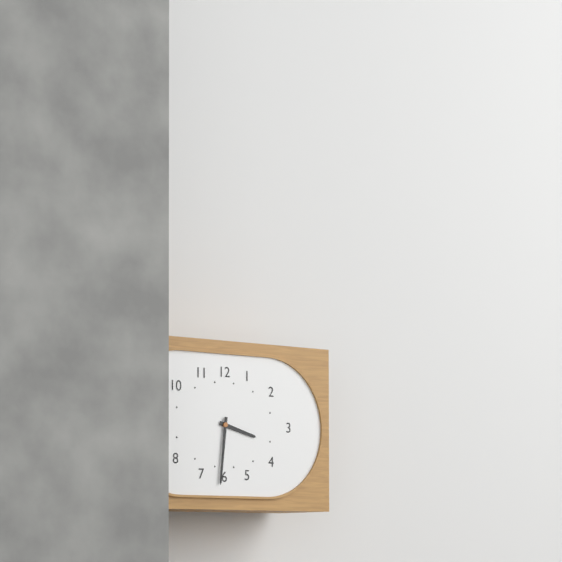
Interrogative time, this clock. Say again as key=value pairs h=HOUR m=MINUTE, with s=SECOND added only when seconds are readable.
h=3 m=31
